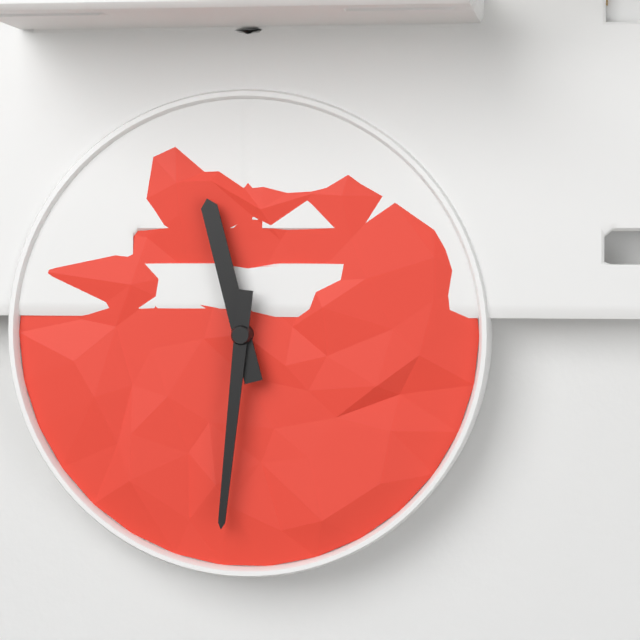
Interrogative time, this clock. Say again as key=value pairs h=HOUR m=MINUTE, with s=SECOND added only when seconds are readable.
h=11 m=31
